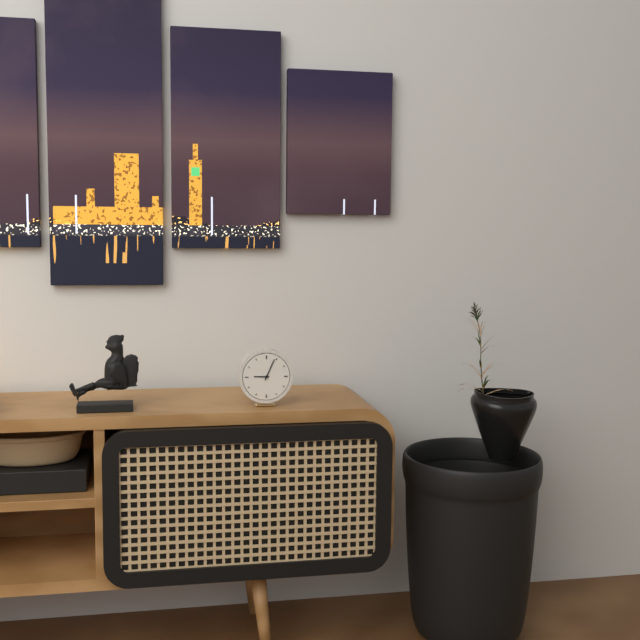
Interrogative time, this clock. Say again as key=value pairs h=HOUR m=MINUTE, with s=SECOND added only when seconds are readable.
h=9 m=4
